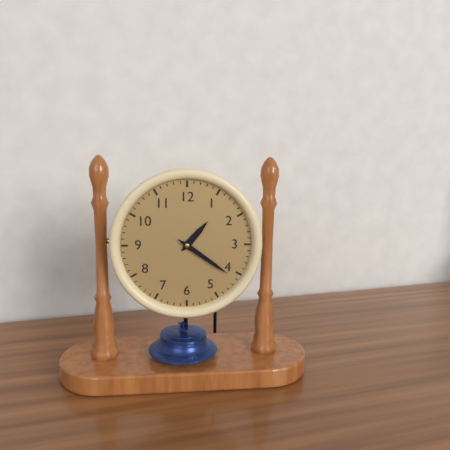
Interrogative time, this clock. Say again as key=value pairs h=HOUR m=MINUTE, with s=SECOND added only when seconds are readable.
h=1 m=21
